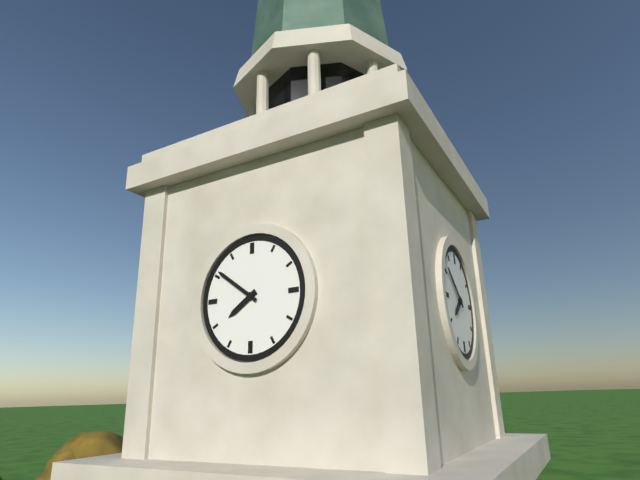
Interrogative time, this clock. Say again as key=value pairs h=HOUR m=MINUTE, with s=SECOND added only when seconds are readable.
h=7 m=51
